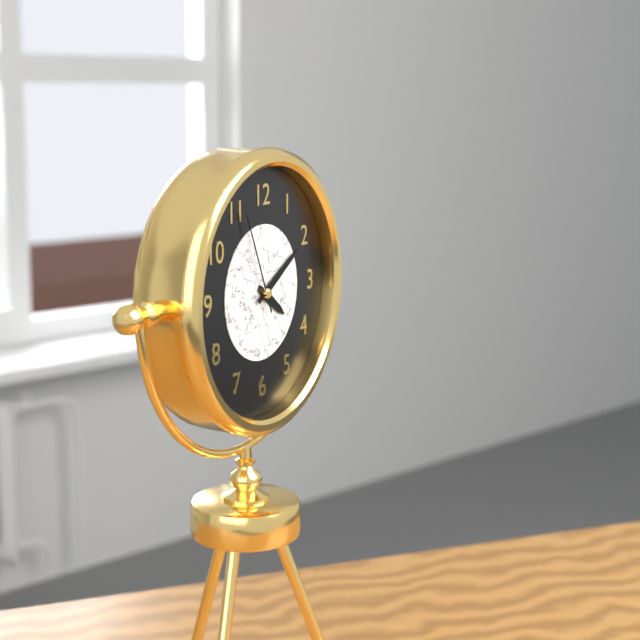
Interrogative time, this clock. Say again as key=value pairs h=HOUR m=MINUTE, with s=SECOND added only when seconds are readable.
h=4 m=10 s=56
